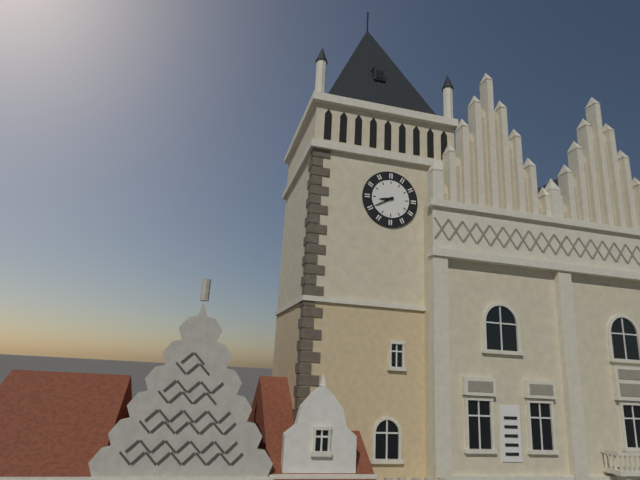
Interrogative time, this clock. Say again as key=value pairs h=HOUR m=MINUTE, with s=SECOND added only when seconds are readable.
h=8 m=40
